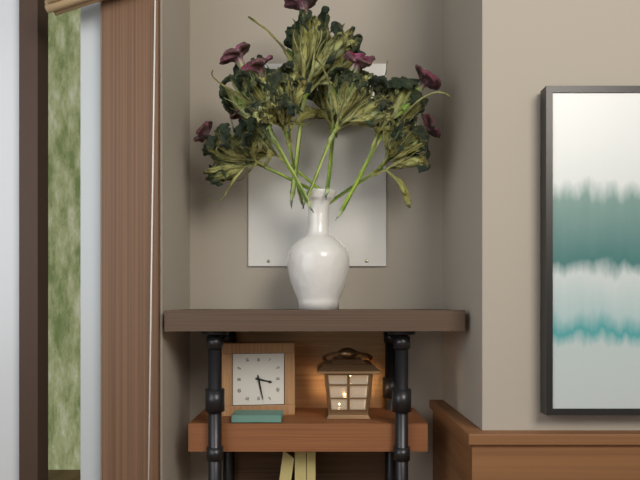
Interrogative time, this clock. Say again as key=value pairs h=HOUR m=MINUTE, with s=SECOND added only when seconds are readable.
h=3 m=28
